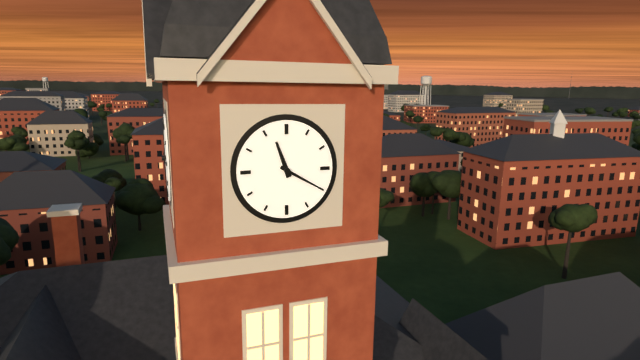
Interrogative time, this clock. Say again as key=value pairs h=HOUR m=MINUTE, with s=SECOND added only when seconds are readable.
h=11 m=20
